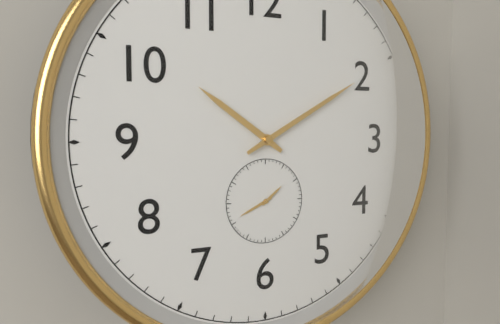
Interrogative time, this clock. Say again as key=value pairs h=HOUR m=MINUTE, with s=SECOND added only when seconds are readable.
h=10 m=10
